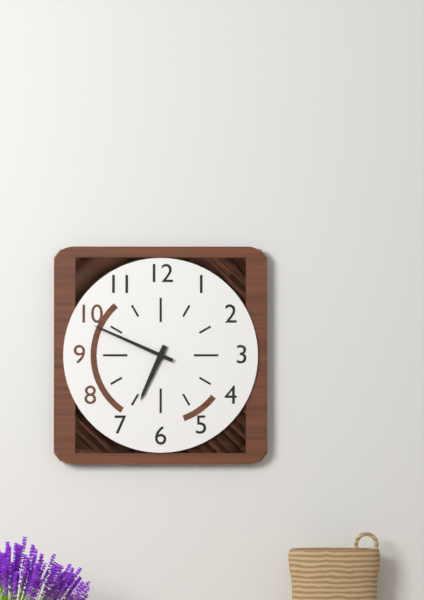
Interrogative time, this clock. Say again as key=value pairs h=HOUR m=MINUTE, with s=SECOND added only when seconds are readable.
h=6 m=49
